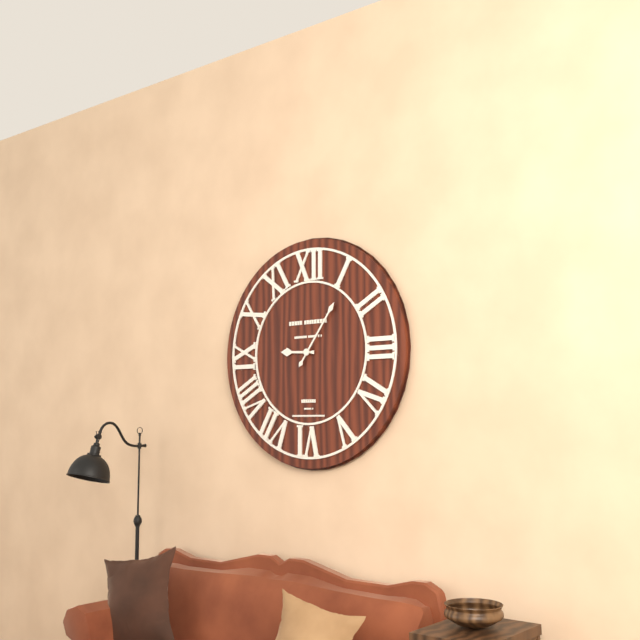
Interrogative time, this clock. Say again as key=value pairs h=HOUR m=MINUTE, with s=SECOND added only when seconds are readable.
h=9 m=6
